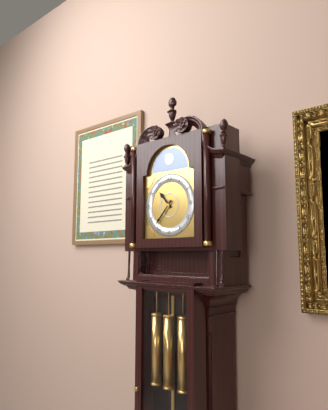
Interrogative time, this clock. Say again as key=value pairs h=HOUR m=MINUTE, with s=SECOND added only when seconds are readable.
h=10 m=37
